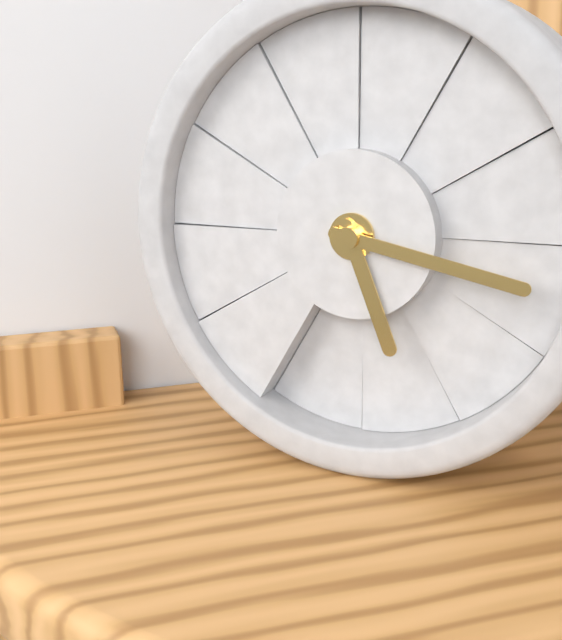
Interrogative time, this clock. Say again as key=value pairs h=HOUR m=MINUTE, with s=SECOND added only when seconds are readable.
h=5 m=17
